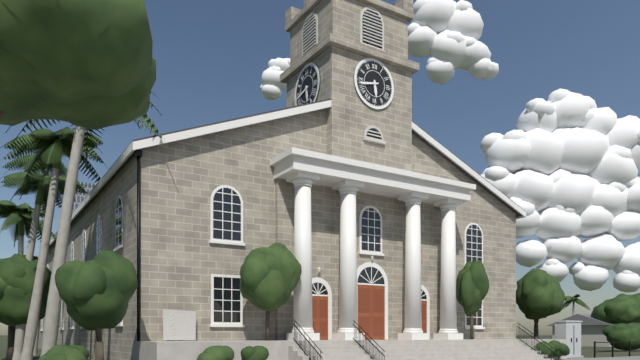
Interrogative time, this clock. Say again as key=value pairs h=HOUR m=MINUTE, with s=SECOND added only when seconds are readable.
h=5 m=43
